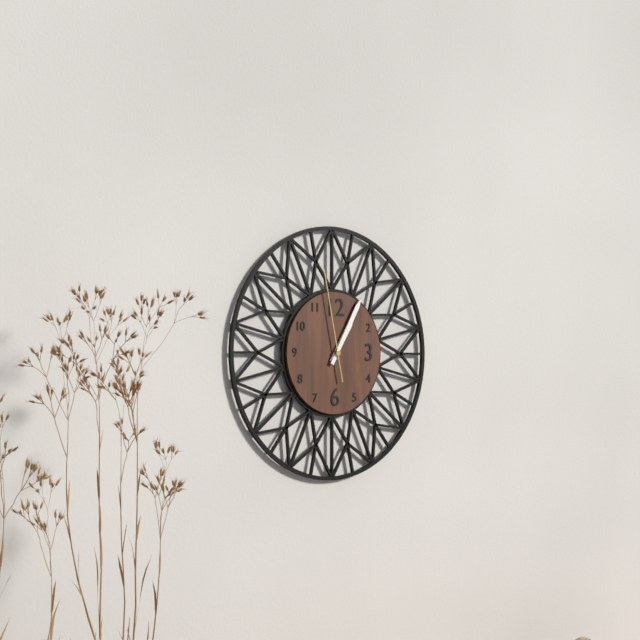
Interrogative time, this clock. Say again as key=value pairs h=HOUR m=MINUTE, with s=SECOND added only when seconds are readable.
h=1 m=5 s=58
